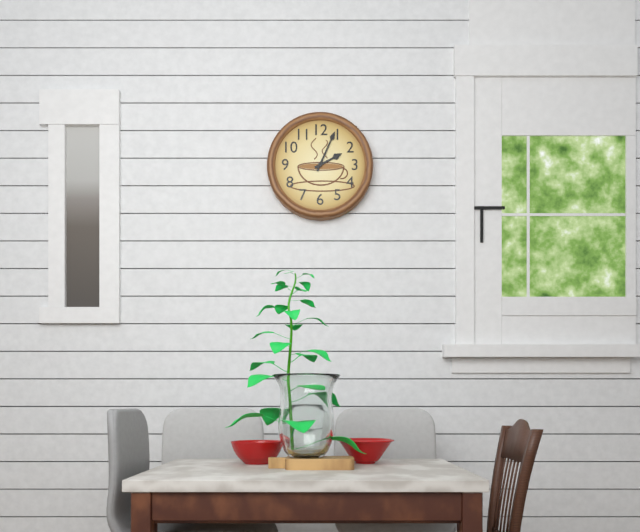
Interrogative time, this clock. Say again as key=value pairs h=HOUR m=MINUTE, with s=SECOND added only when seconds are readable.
h=2 m=4
